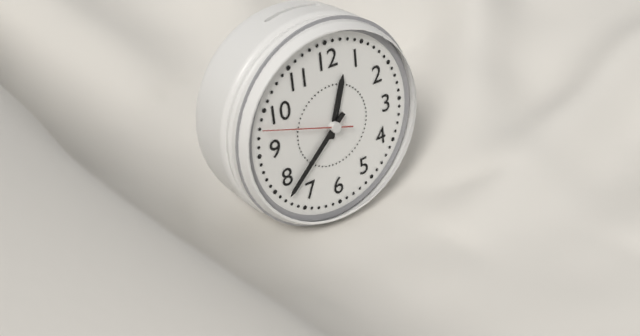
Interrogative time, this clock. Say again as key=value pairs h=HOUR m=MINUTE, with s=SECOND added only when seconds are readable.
h=12 m=38 s=48
